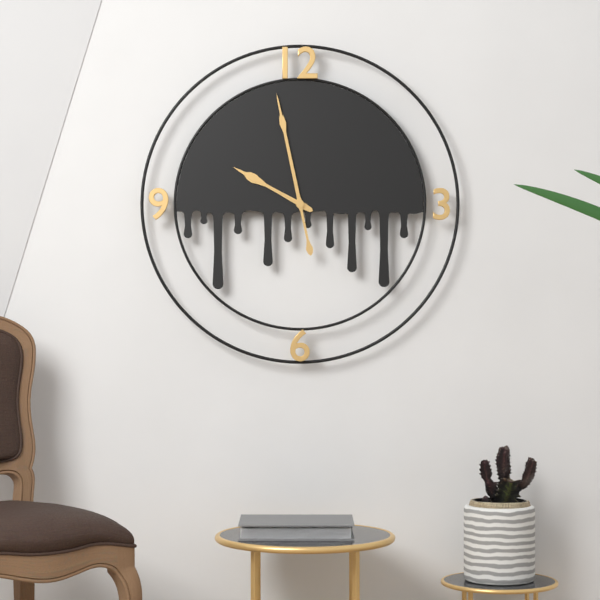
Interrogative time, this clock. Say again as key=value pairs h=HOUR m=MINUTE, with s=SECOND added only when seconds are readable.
h=9 m=58
